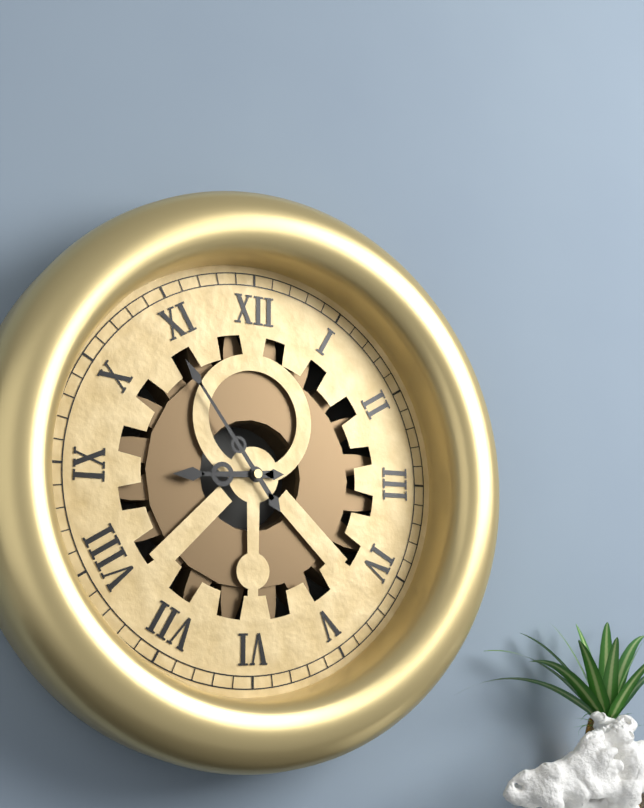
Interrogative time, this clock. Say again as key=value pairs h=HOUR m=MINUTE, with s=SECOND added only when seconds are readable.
h=8 m=54
